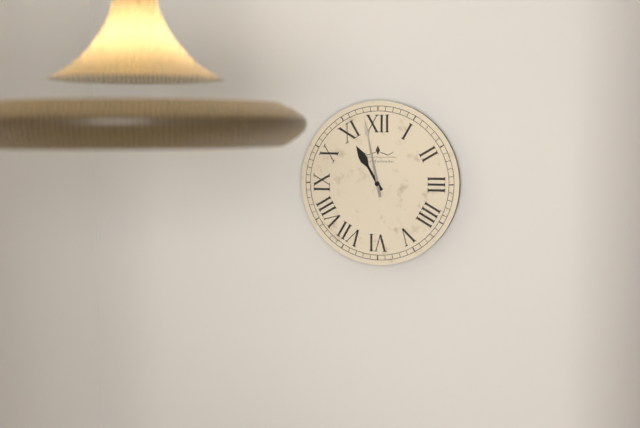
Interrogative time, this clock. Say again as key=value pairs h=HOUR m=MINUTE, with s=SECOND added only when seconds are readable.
h=10 m=58
